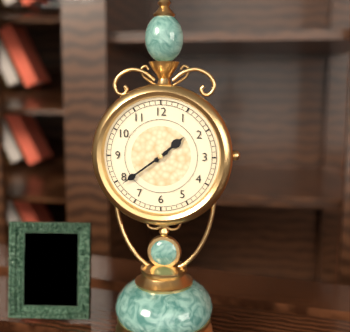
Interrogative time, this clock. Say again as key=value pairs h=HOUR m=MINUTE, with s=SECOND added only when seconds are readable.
h=1 m=39
